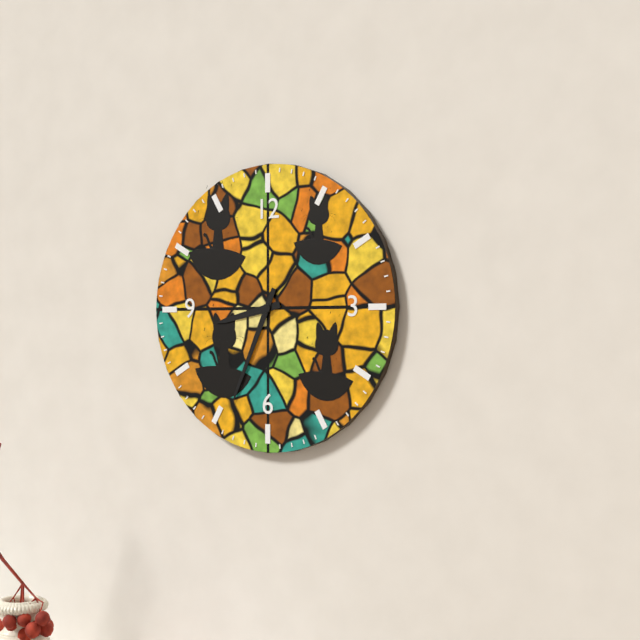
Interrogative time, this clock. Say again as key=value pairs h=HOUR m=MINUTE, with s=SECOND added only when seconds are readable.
h=8 m=34
